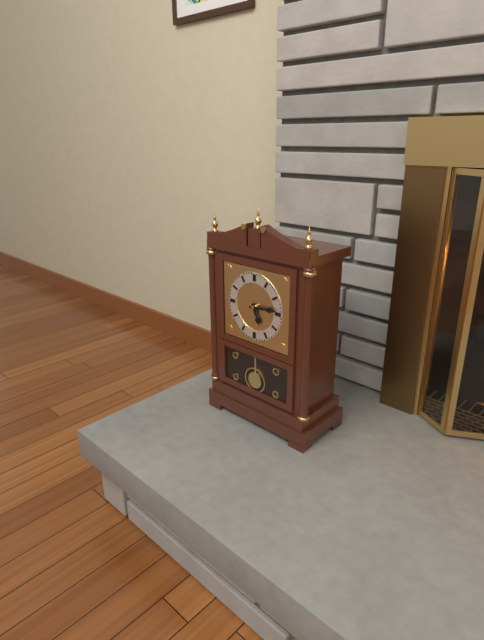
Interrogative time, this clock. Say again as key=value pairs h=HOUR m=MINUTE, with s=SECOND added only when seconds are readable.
h=5 m=14
